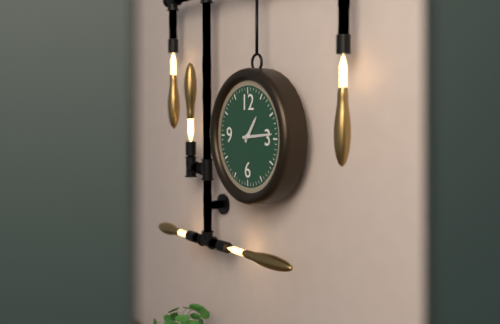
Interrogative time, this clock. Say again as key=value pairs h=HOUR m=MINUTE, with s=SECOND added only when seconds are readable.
h=1 m=14
